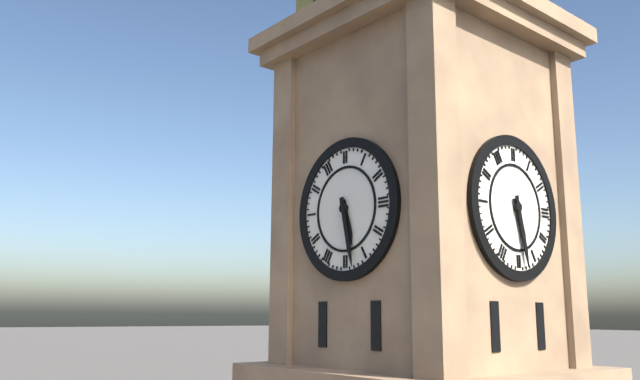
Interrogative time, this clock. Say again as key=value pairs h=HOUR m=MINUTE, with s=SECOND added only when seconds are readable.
h=5 m=28
